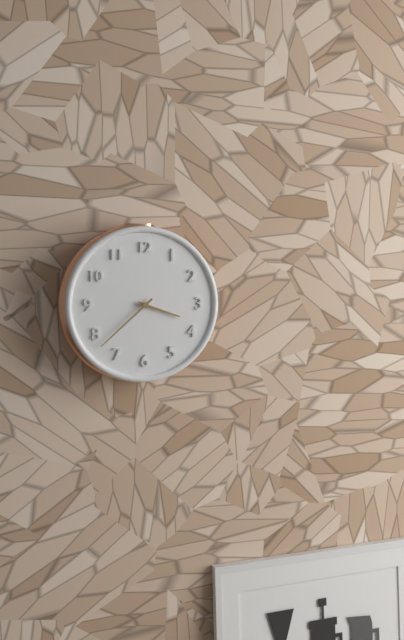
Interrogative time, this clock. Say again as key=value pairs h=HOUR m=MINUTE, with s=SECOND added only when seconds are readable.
h=3 m=38
